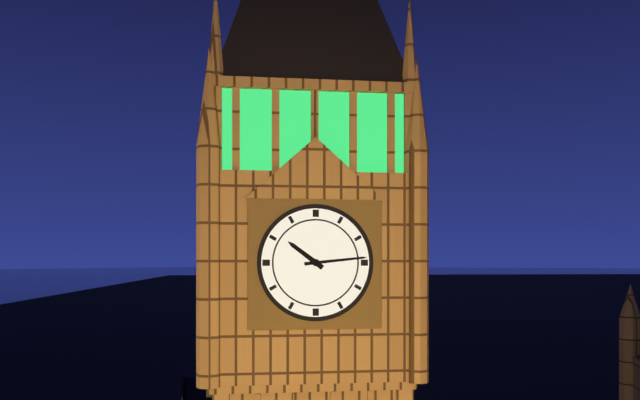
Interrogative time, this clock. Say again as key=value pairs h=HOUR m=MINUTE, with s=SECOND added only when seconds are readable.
h=10 m=14
